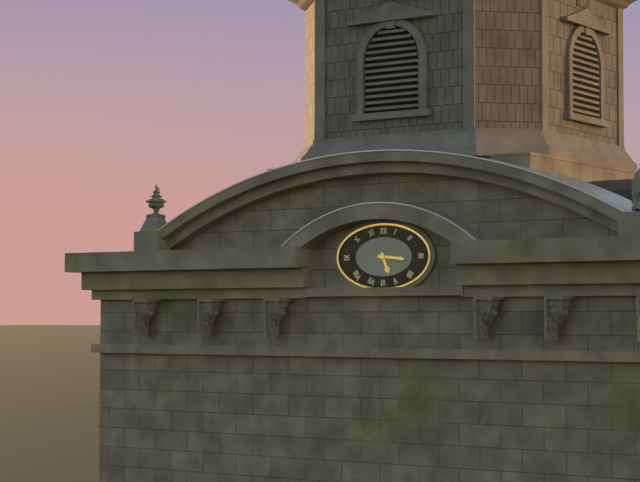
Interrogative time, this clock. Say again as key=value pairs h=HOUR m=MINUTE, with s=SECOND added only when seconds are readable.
h=5 m=16
